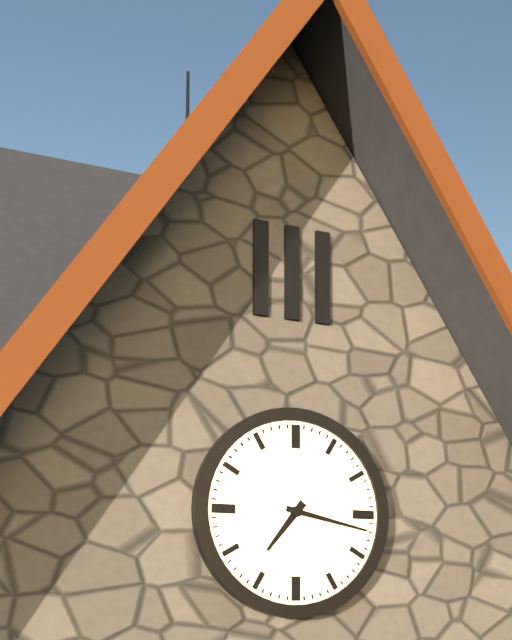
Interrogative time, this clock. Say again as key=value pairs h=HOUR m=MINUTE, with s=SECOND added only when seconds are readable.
h=7 m=17
